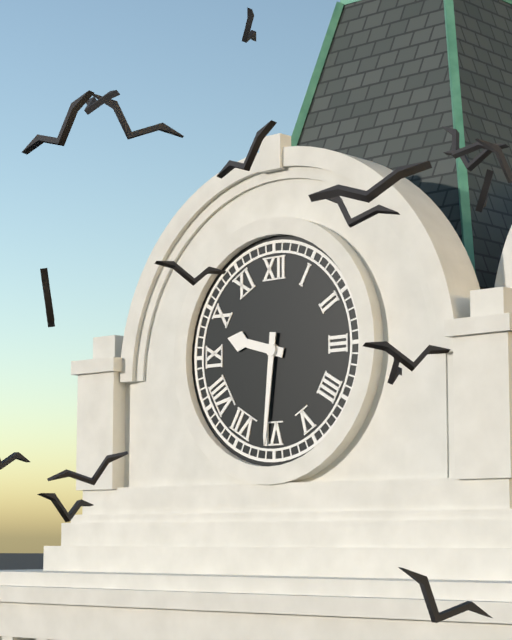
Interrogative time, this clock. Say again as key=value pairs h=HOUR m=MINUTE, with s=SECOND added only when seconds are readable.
h=9 m=31
